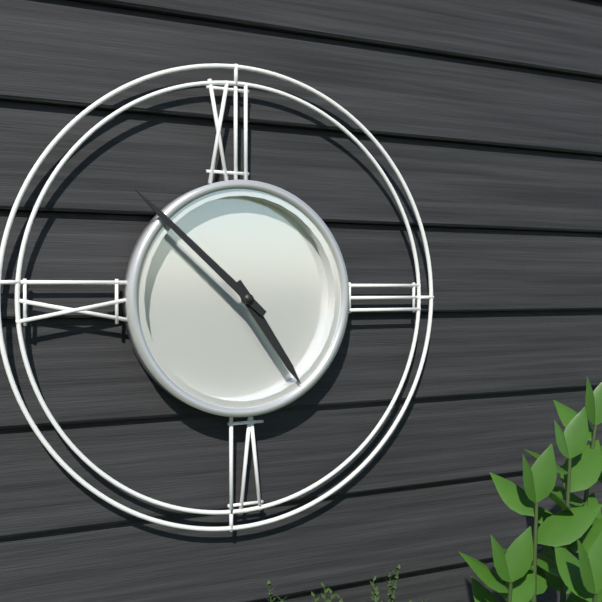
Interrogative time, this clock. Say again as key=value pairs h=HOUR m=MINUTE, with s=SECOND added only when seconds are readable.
h=4 m=52
